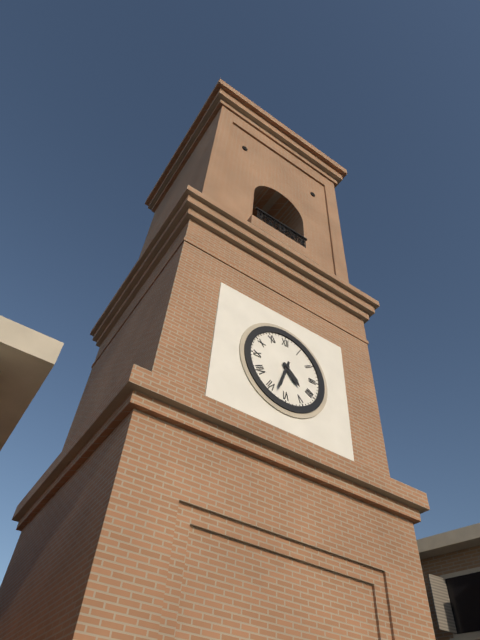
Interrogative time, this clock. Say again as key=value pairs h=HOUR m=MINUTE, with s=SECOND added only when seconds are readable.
h=4 m=33
